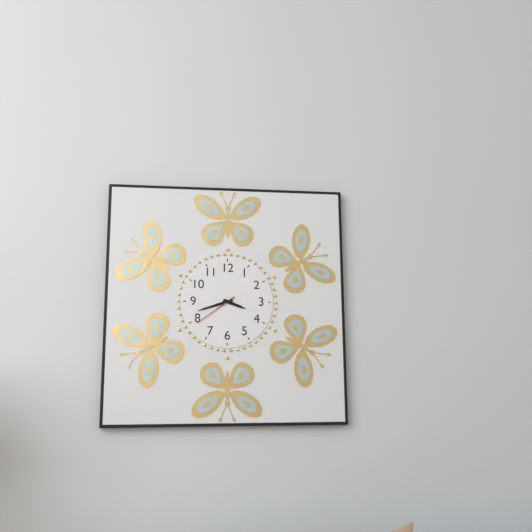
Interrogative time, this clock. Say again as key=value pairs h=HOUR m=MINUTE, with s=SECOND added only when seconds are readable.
h=3 m=42
